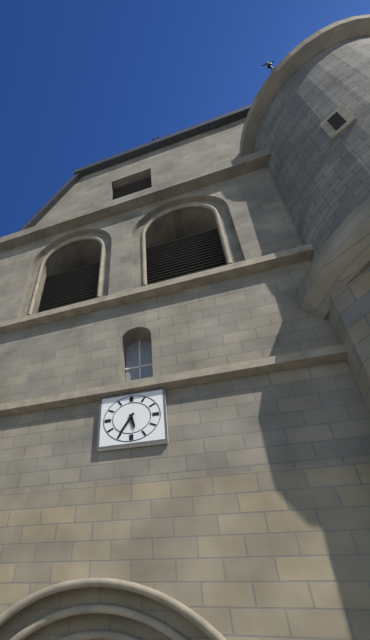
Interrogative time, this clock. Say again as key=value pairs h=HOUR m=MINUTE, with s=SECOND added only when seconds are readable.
h=5 m=35
